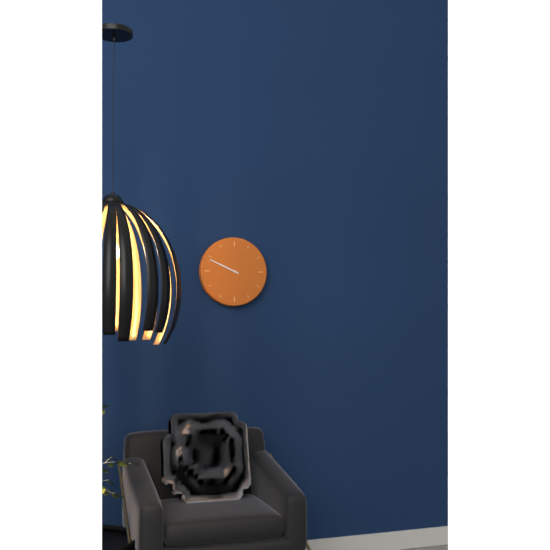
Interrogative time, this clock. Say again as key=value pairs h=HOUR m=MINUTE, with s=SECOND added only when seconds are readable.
h=9 m=49
